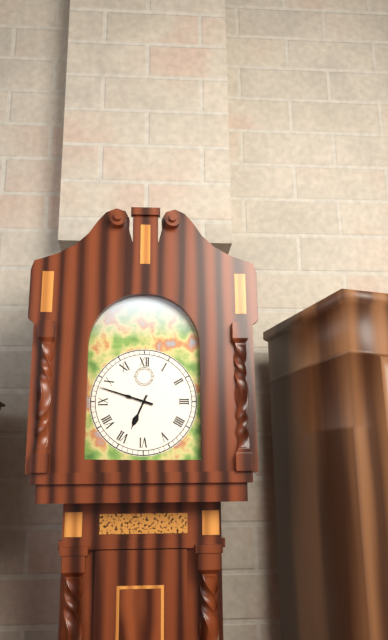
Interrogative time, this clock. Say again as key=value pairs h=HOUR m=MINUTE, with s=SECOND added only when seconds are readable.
h=6 m=48
